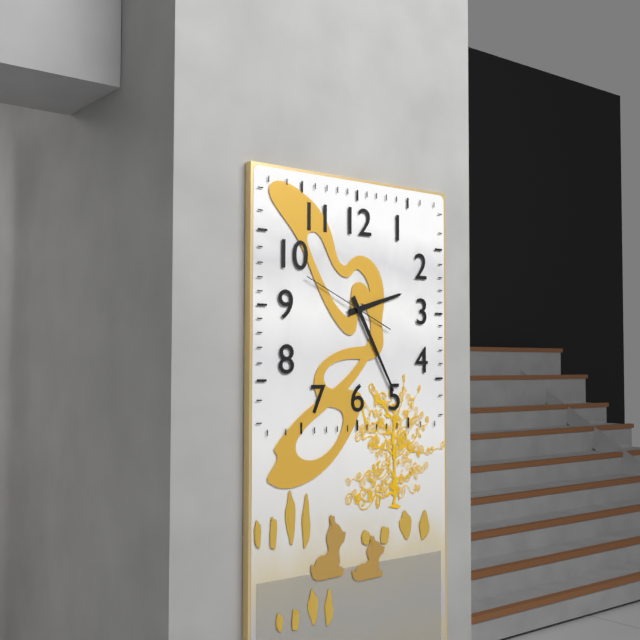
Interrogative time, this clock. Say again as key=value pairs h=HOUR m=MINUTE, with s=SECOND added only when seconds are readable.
h=2 m=25 s=49
